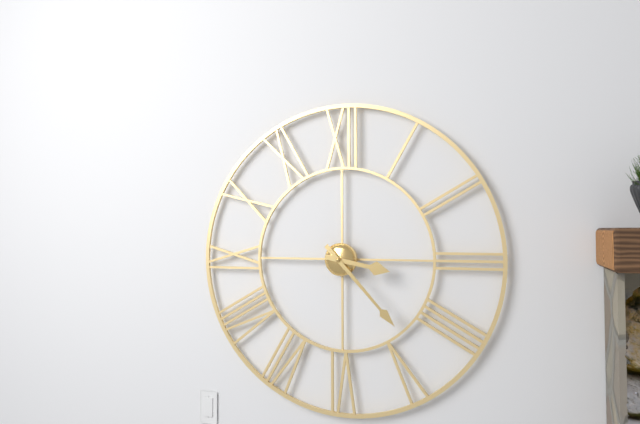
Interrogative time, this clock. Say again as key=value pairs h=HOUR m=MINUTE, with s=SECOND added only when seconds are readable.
h=3 m=23
